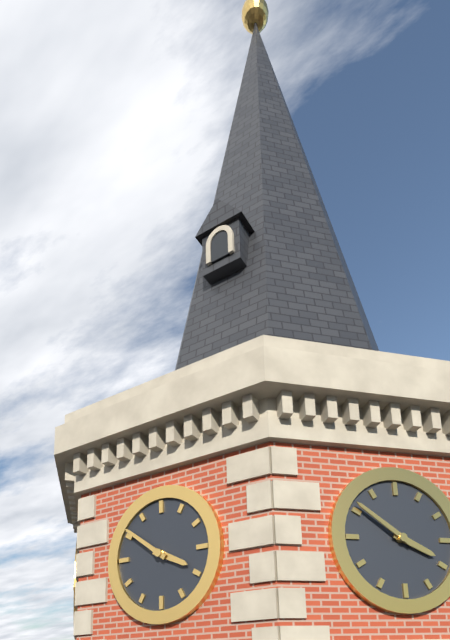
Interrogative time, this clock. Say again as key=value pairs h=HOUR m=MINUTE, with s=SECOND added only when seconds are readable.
h=3 m=51
